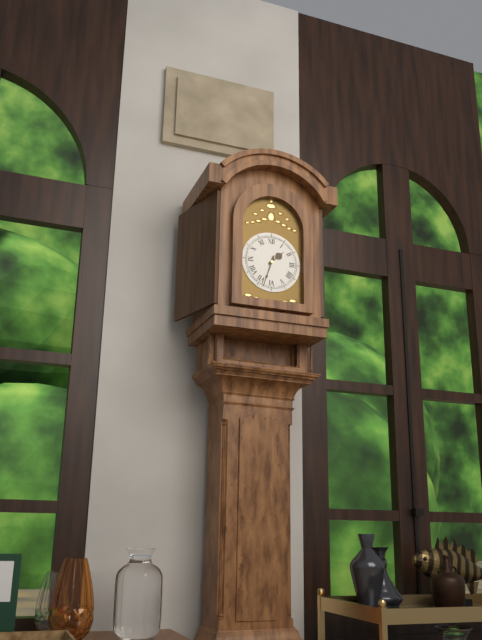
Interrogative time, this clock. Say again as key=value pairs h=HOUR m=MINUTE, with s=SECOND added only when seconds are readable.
h=1 m=33
